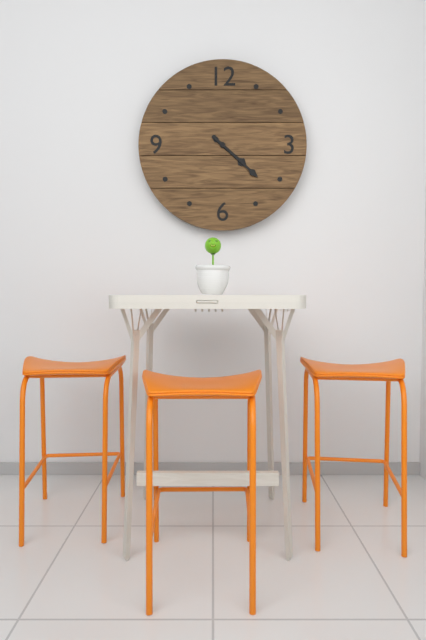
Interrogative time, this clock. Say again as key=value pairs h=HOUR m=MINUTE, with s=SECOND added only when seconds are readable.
h=4 m=22
